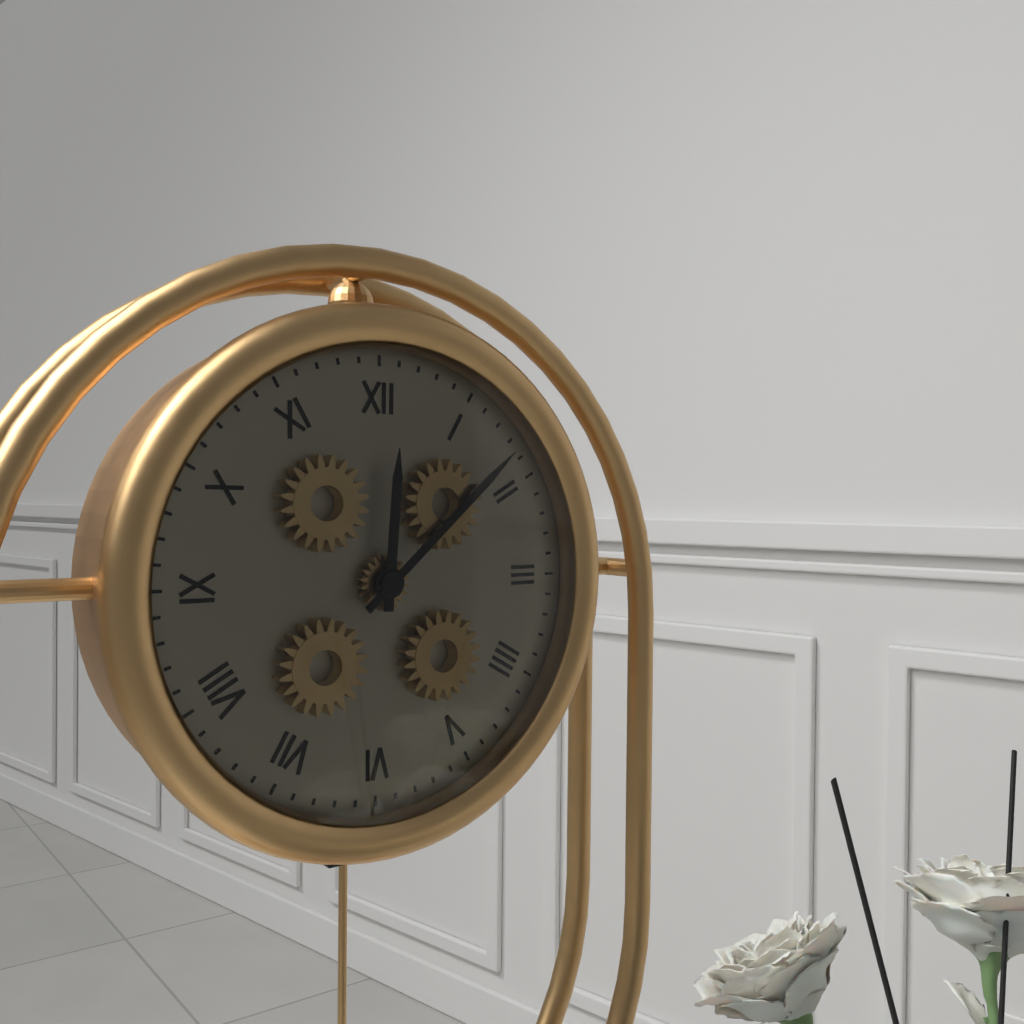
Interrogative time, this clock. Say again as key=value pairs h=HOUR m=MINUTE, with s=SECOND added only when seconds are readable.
h=12 m=8
